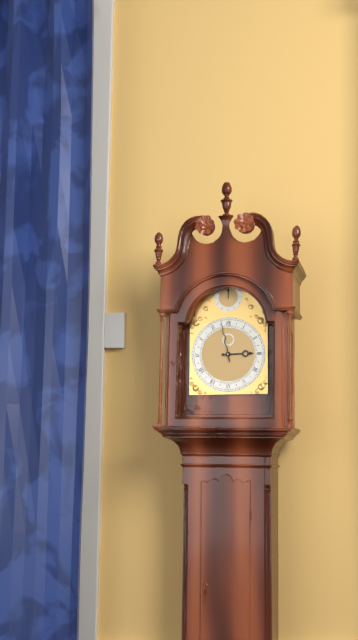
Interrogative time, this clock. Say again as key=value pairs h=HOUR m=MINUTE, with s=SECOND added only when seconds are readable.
h=2 m=58
